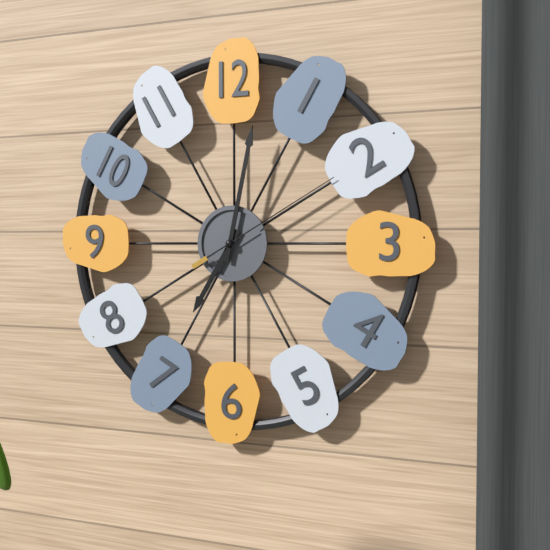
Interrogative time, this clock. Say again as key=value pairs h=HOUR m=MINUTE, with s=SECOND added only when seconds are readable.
h=7 m=2 s=10
